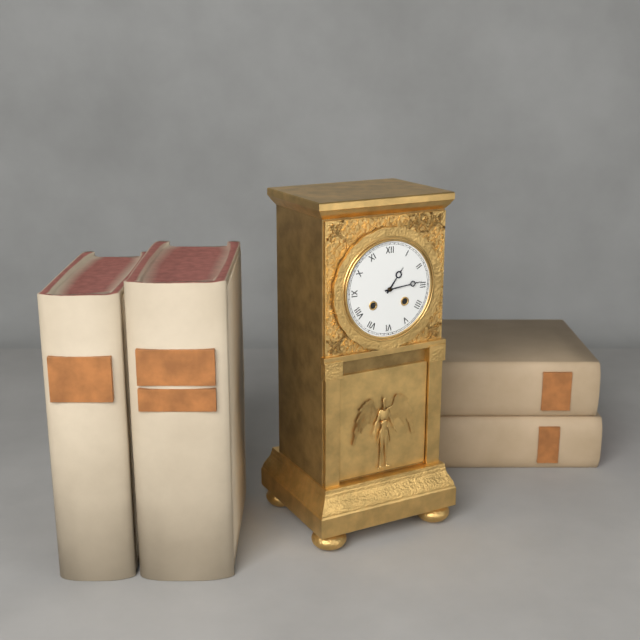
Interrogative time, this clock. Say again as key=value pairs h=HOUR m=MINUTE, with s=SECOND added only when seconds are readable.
h=1 m=14
